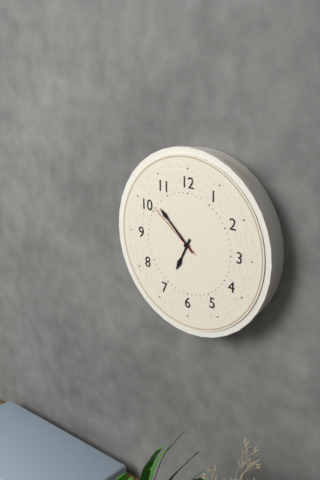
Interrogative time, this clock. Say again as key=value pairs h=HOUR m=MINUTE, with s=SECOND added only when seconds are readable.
h=6 m=52 s=51
